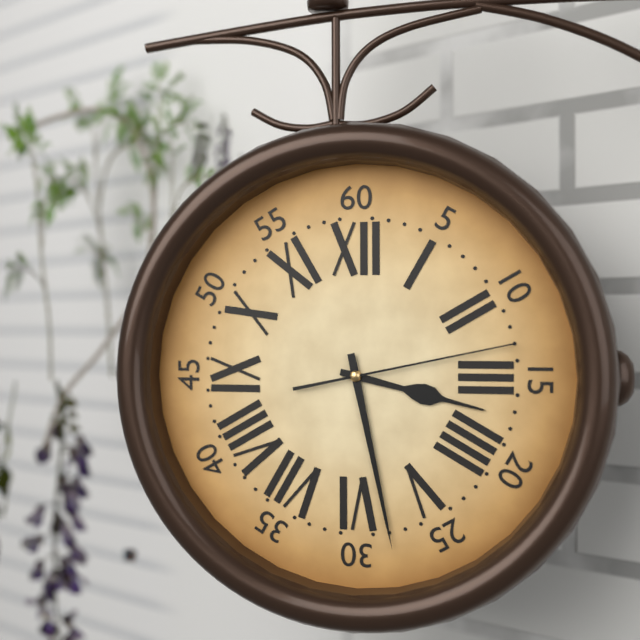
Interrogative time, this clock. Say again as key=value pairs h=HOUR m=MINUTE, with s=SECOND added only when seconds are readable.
h=3 m=28 s=13
